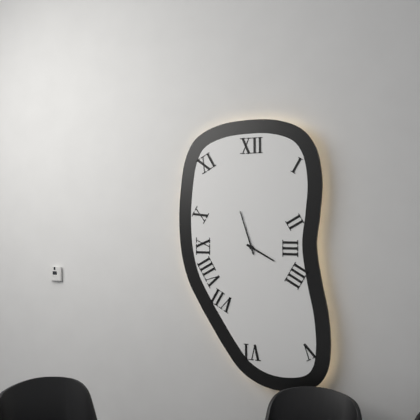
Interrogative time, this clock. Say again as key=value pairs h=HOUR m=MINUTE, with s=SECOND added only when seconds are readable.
h=3 m=57
